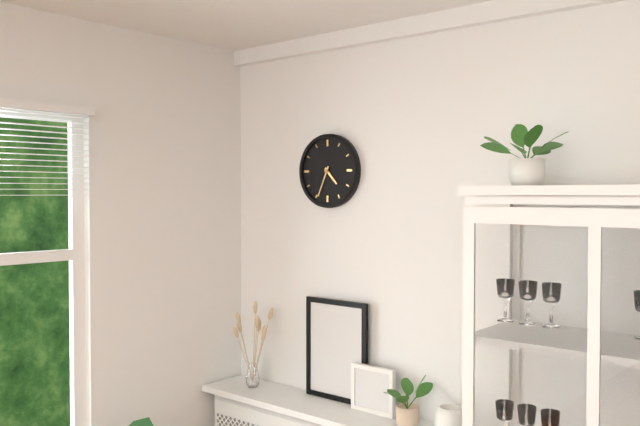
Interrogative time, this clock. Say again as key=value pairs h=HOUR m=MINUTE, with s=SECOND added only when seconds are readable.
h=4 m=34
